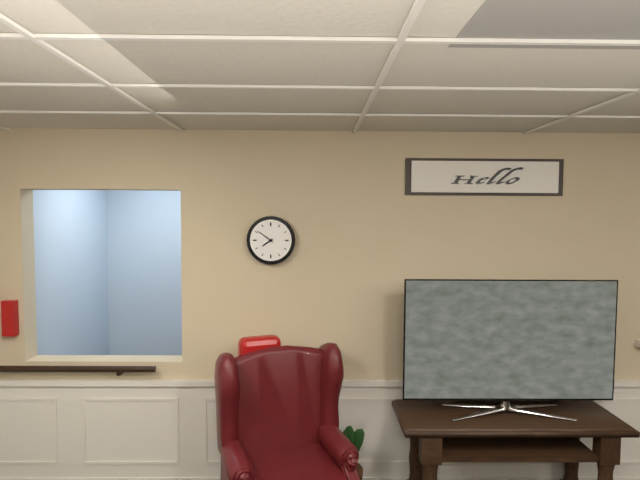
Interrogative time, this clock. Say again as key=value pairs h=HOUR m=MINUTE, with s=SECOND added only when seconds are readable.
h=7 m=51
